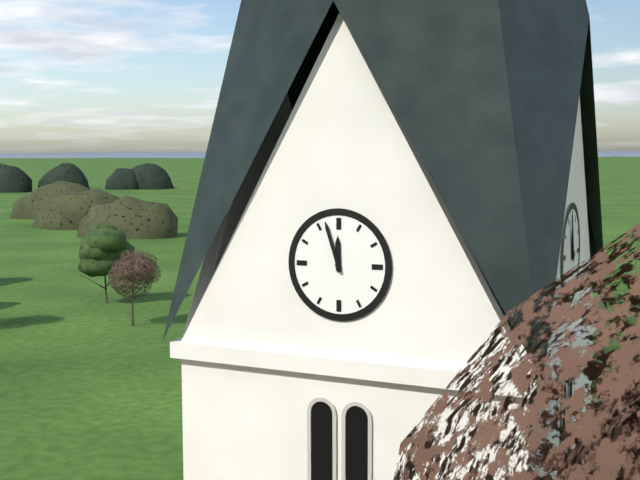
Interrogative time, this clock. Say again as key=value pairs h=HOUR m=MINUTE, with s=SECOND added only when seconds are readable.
h=11 m=57
